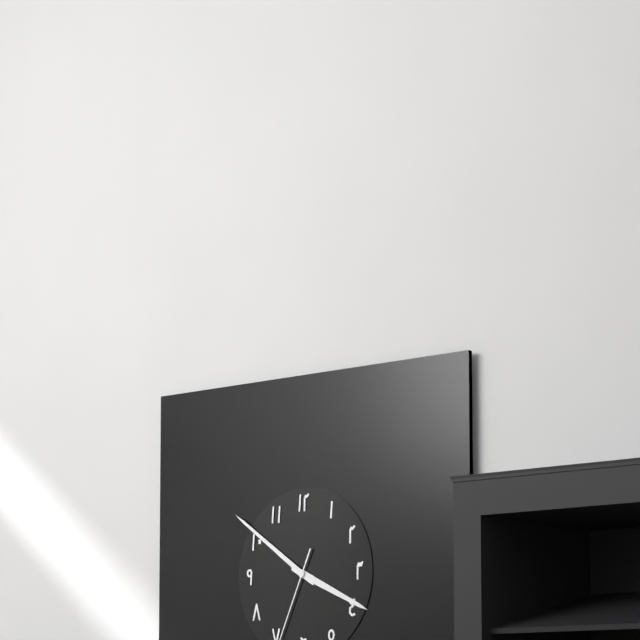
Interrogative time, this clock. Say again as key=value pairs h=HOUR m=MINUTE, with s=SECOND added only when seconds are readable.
h=3 m=51
